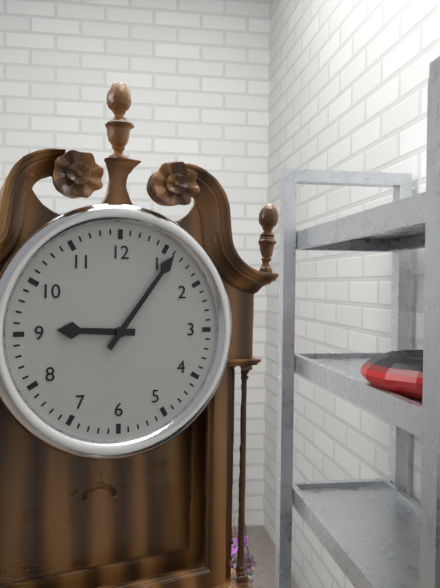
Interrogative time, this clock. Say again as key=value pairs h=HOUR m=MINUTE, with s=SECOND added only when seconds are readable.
h=9 m=6
